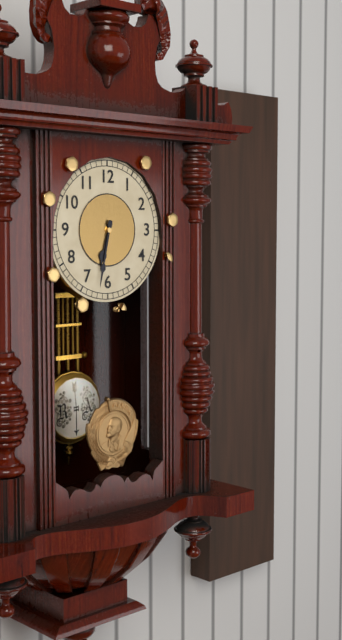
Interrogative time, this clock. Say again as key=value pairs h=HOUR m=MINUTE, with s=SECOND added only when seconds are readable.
h=6 m=32
